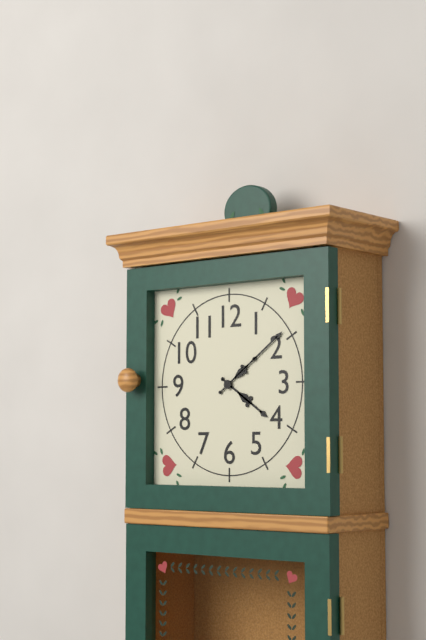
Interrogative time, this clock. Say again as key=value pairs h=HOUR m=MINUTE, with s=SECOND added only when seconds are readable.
h=4 m=9
